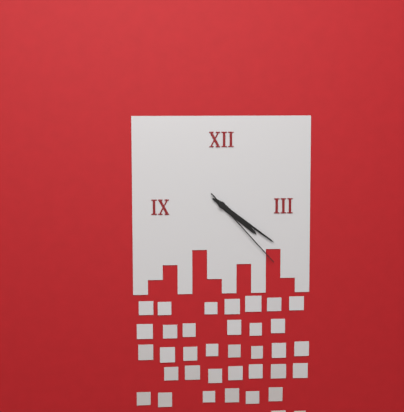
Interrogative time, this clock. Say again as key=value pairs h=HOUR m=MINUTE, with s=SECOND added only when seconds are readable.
h=4 m=21 s=23
